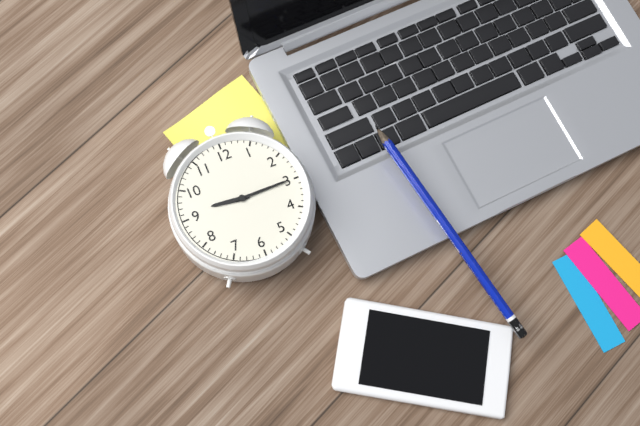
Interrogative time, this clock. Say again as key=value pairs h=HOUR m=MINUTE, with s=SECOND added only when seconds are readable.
h=9 m=15
